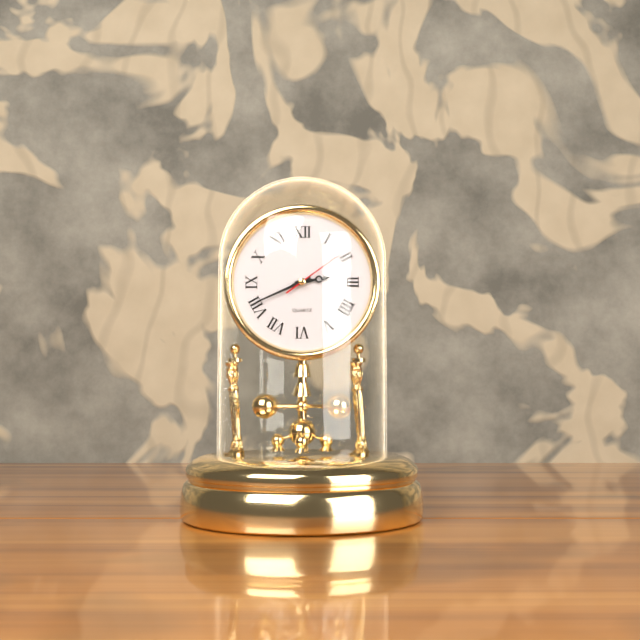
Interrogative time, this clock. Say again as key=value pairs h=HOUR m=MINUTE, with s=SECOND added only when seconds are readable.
h=2 m=41 s=9
